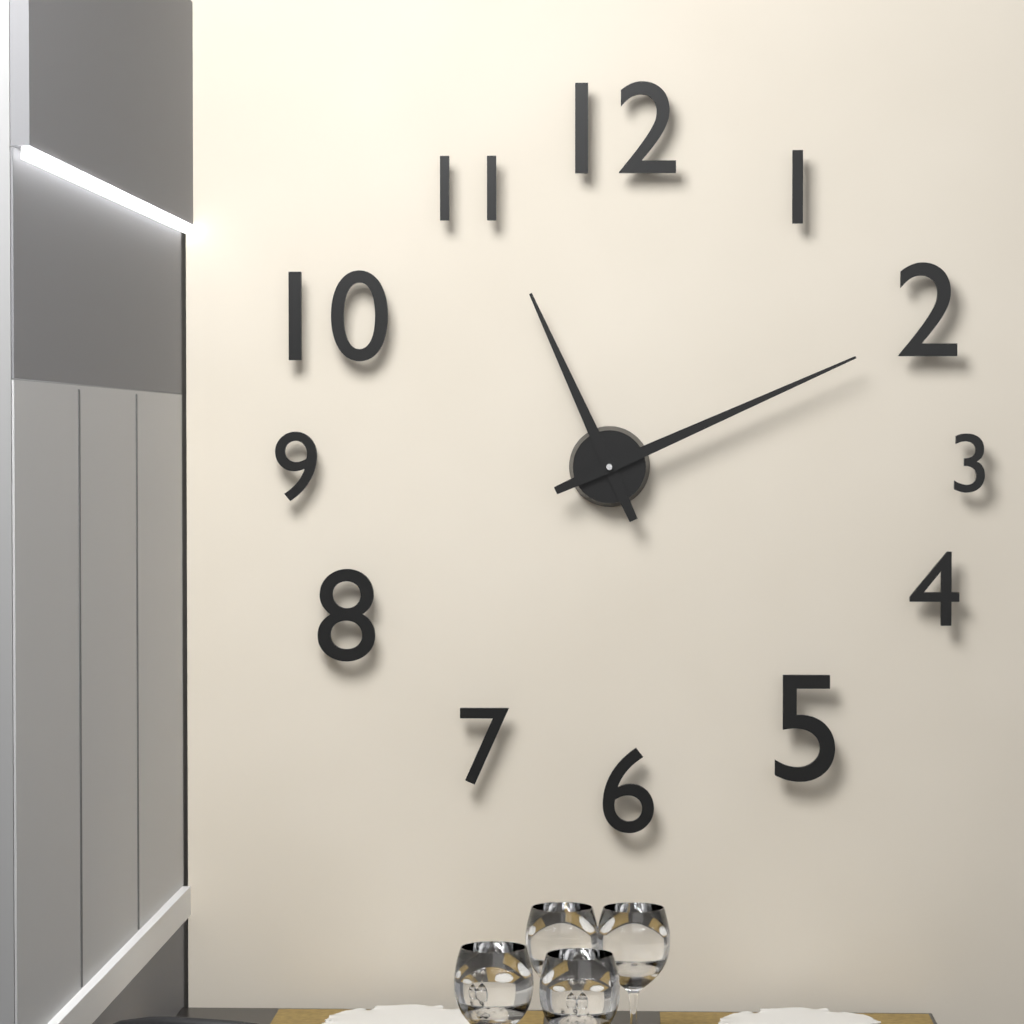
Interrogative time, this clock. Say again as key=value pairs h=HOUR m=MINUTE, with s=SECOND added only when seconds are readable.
h=11 m=11
